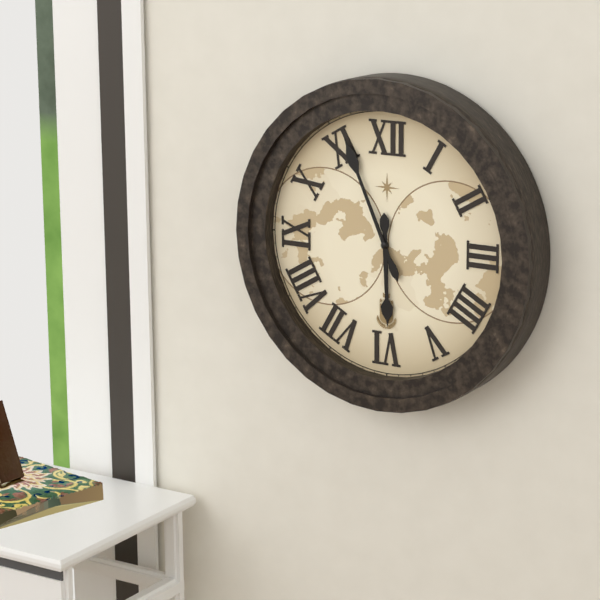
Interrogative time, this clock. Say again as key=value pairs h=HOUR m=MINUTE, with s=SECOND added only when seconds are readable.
h=5 m=56
